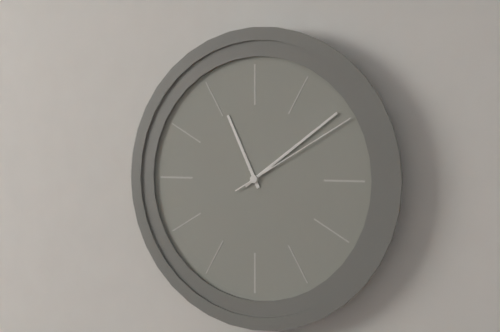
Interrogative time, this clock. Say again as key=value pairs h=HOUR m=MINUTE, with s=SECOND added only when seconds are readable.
h=11 m=9 s=10
